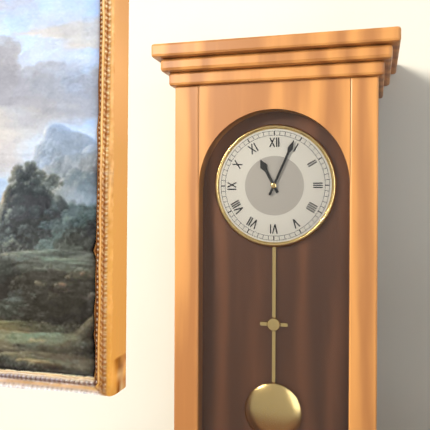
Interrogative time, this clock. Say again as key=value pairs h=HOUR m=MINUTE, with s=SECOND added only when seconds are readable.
h=11 m=4
